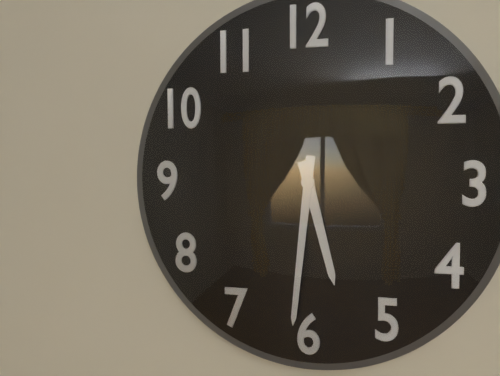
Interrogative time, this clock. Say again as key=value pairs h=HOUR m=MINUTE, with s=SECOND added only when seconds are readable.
h=5 m=31
